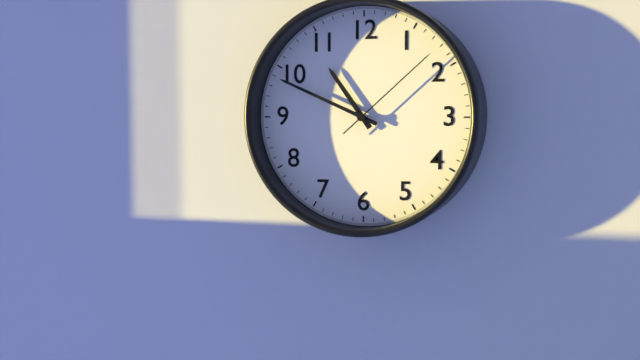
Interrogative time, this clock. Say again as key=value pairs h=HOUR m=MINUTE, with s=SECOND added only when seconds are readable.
h=10 m=49 s=8
